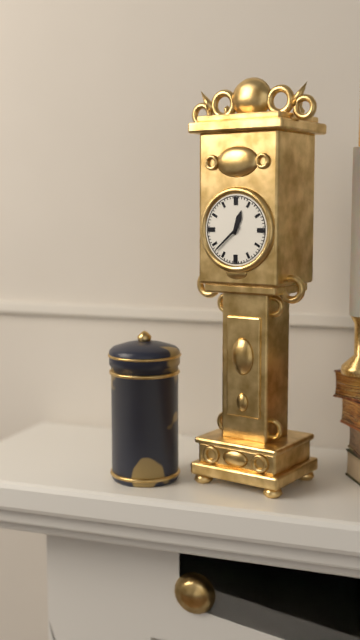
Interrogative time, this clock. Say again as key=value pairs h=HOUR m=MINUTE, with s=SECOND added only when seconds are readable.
h=12 m=38
